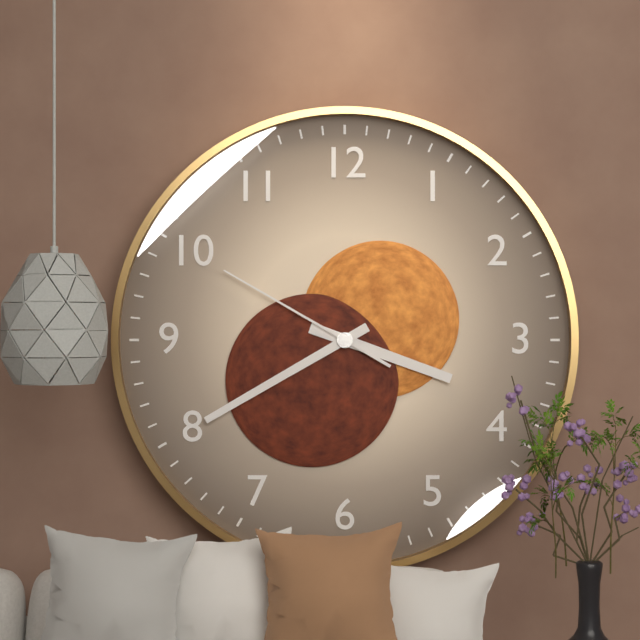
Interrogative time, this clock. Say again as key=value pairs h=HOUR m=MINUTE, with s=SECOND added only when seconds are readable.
h=3 m=40 s=50
